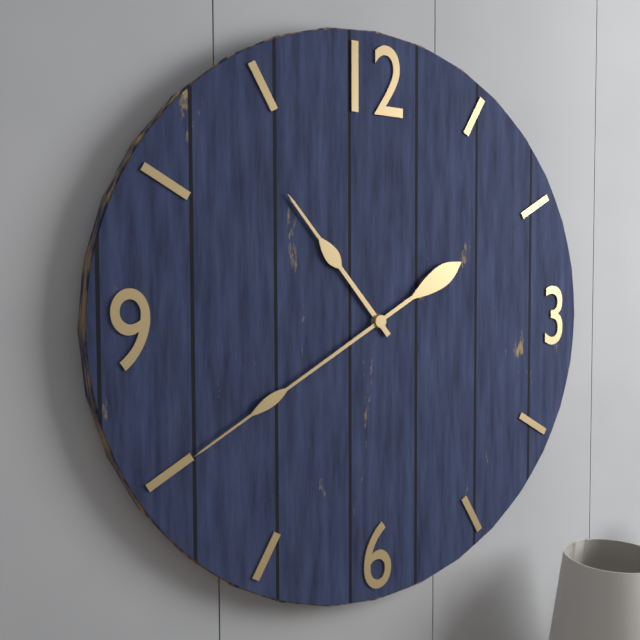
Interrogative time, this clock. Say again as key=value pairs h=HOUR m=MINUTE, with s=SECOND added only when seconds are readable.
h=10 m=40
